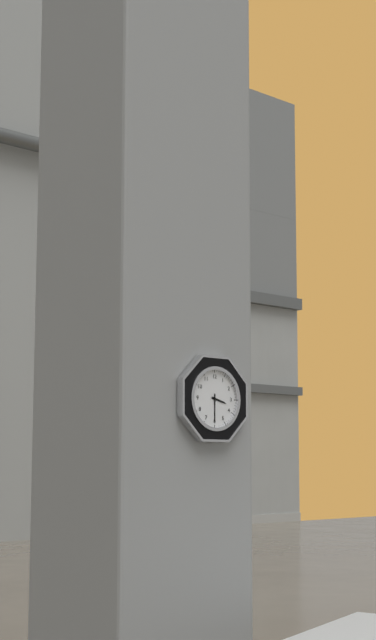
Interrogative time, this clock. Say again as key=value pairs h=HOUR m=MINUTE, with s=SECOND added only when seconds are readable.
h=3 m=30
